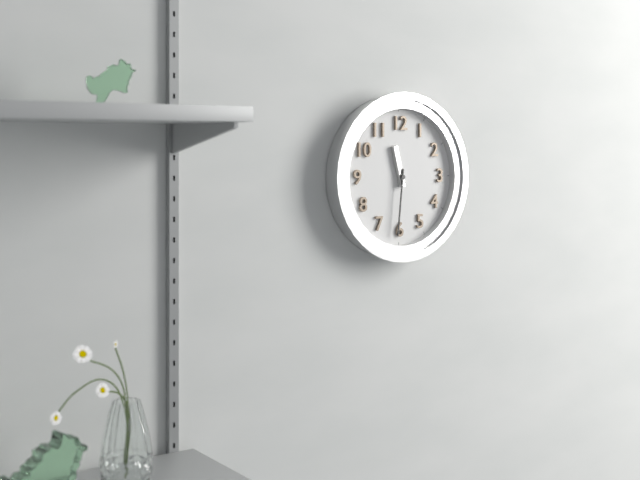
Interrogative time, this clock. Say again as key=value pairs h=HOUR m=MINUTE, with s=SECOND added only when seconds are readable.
h=11 m=31
